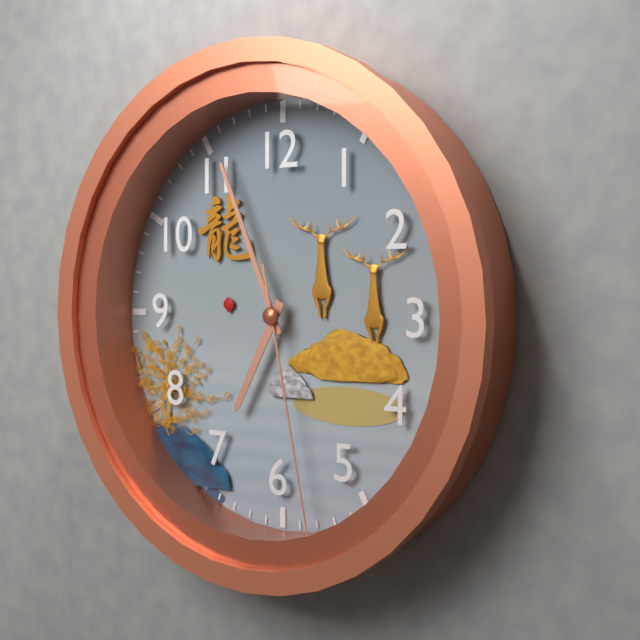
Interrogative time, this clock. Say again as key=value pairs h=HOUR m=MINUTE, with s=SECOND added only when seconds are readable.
h=6 m=56 s=28
